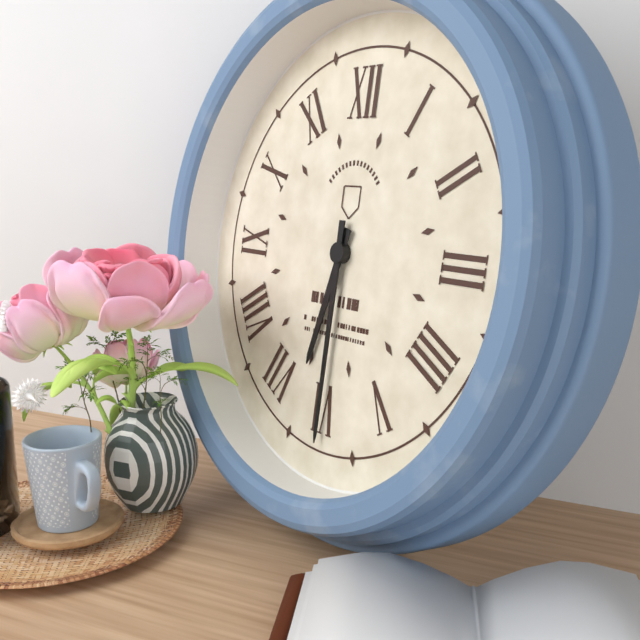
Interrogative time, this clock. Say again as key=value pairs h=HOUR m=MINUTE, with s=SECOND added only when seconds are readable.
h=6 m=30
